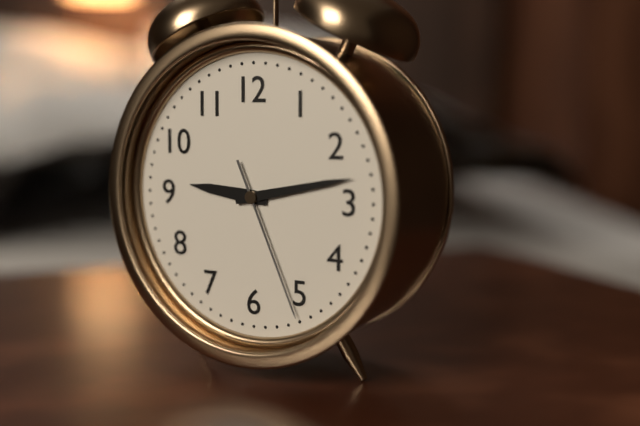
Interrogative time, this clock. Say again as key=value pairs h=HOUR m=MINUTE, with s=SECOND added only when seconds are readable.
h=9 m=13 s=26
